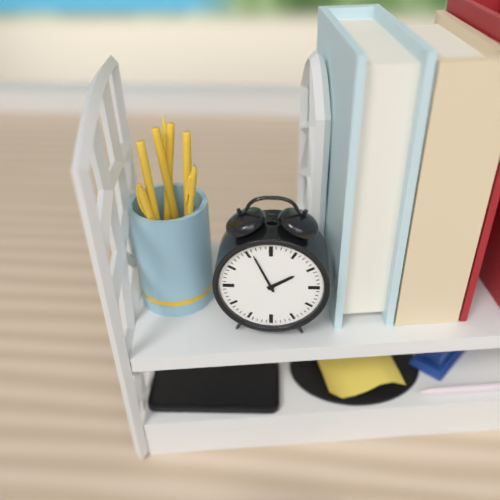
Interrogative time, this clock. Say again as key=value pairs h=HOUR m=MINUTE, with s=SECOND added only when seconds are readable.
h=1 m=56
